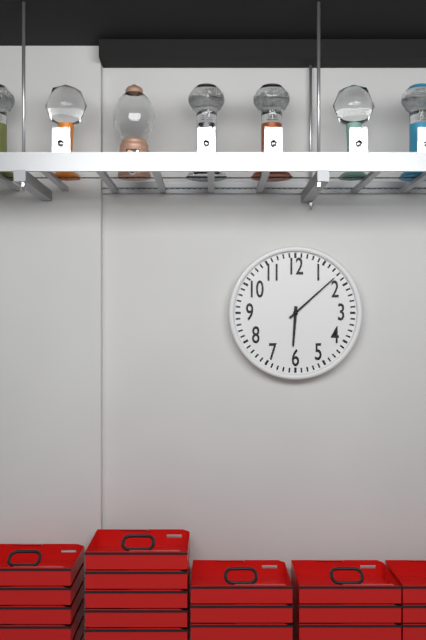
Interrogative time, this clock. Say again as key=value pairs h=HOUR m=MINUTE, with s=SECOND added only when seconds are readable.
h=6 m=8
